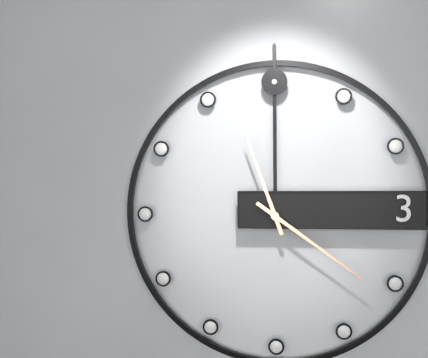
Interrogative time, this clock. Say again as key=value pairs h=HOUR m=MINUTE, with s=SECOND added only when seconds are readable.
h=11 m=21
